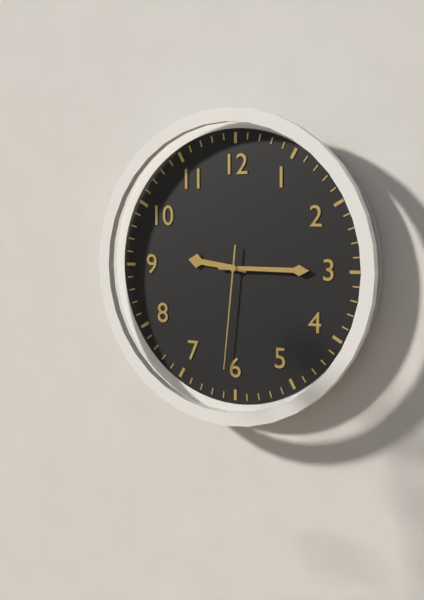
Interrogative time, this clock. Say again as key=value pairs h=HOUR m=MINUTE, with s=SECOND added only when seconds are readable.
h=9 m=15 s=31
